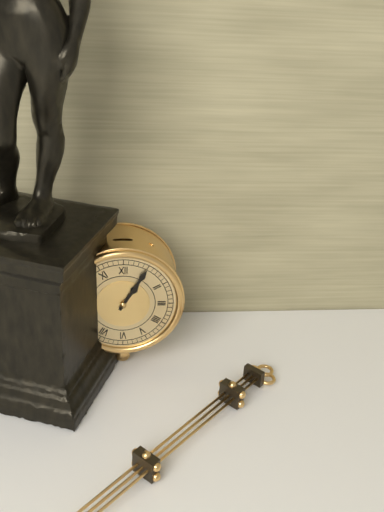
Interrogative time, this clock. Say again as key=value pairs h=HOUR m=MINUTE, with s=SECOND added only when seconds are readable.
h=1 m=5
